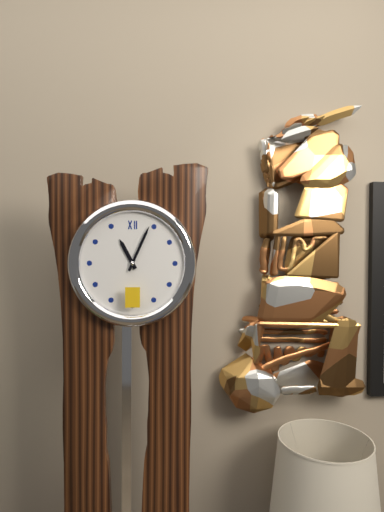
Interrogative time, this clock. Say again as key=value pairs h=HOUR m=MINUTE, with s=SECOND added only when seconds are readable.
h=11 m=4
